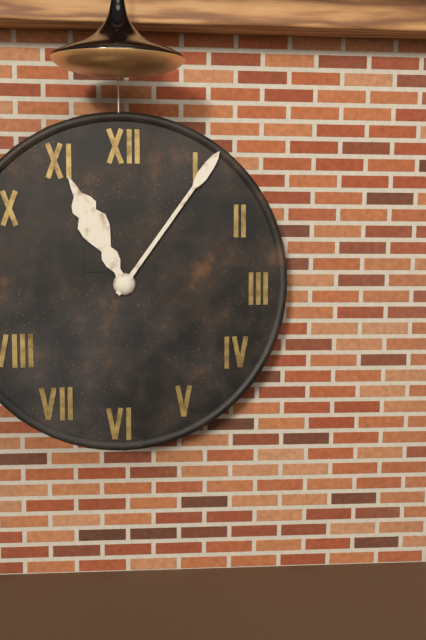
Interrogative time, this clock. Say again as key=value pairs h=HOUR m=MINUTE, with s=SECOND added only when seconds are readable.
h=11 m=6
